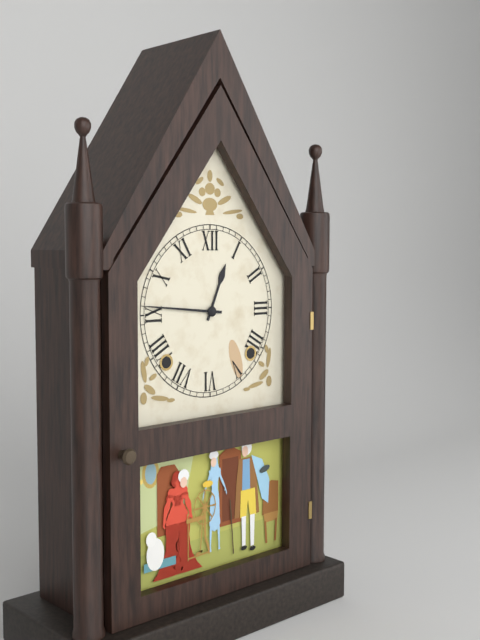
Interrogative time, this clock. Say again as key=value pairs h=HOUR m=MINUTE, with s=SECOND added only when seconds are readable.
h=12 m=46
